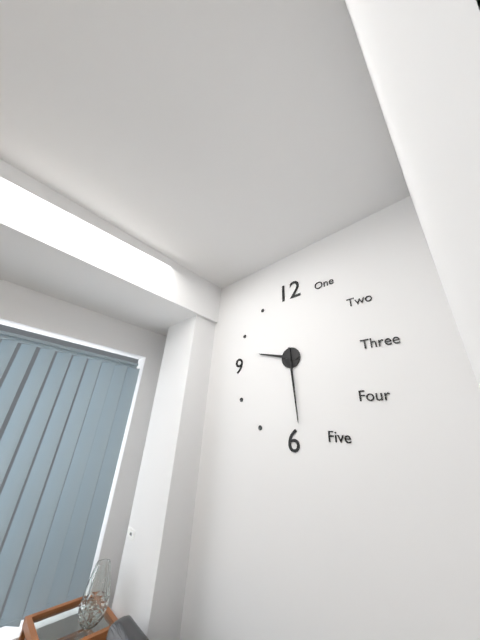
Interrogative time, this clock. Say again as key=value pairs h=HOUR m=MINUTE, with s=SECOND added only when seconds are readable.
h=9 m=29
